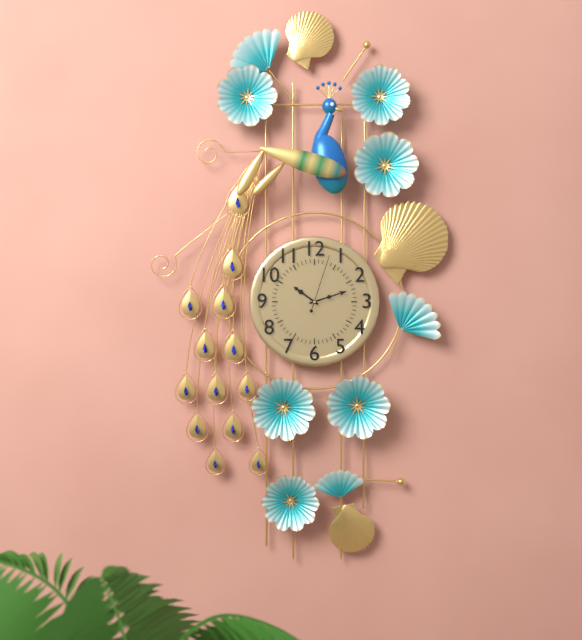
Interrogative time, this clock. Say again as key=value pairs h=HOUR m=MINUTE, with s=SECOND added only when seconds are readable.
h=10 m=12 s=3
